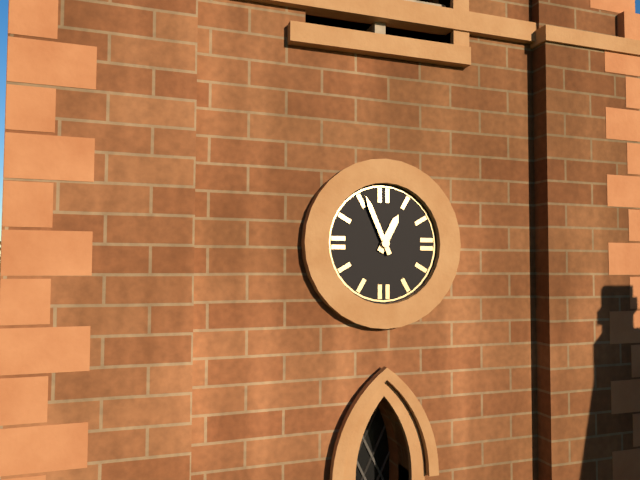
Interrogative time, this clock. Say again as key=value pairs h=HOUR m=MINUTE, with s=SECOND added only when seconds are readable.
h=12 m=56
